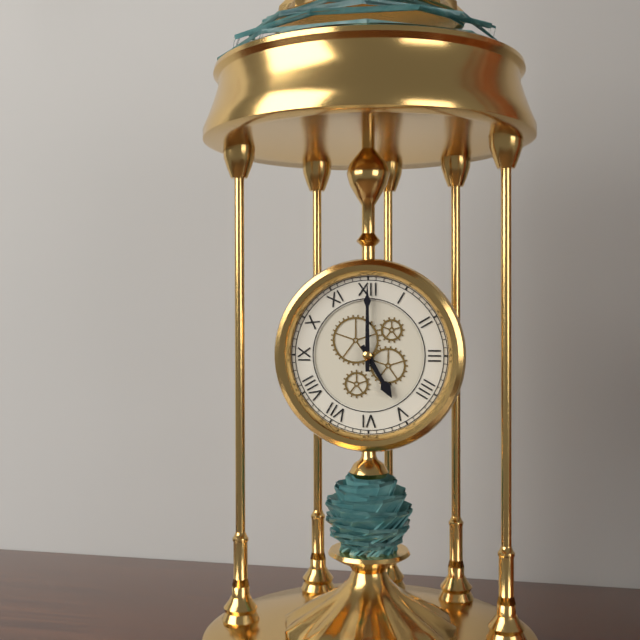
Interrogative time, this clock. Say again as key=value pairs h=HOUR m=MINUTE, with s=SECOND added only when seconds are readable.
h=5 m=0
